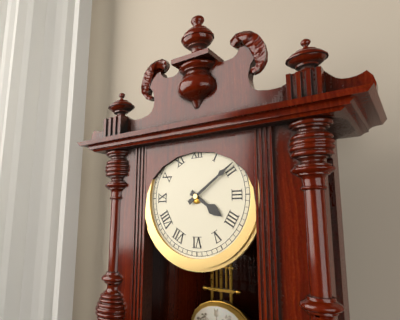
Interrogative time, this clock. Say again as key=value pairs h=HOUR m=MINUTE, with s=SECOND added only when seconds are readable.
h=4 m=9
